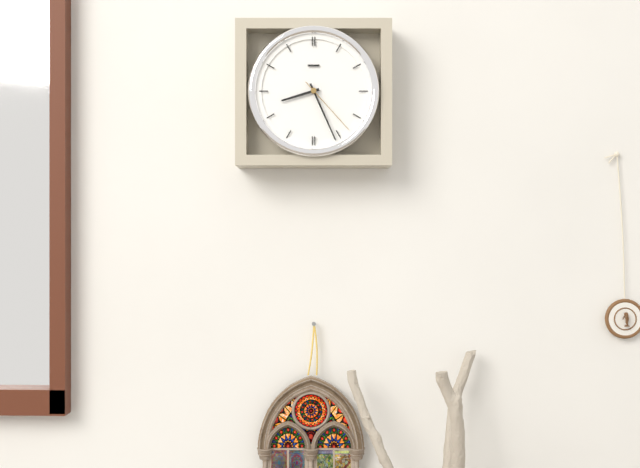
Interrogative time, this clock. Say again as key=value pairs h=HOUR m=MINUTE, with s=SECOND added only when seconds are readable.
h=8 m=26 s=23
